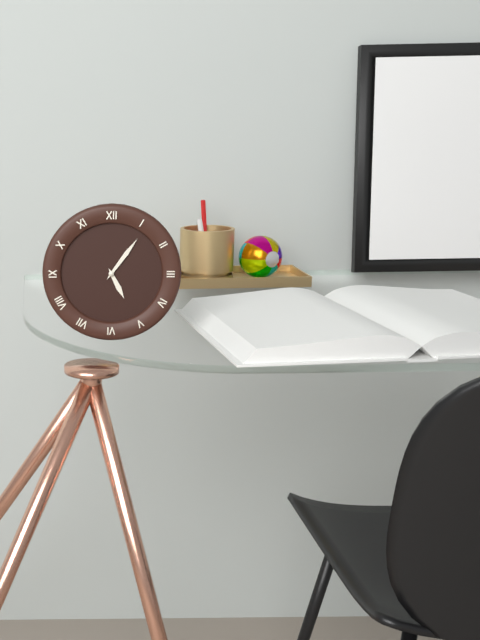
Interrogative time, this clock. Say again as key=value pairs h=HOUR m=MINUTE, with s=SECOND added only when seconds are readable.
h=5 m=6
